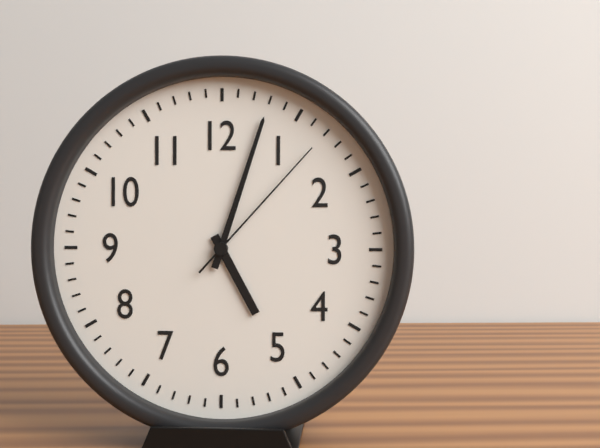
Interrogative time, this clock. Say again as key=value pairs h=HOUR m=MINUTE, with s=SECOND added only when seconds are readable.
h=5 m=3 s=7
